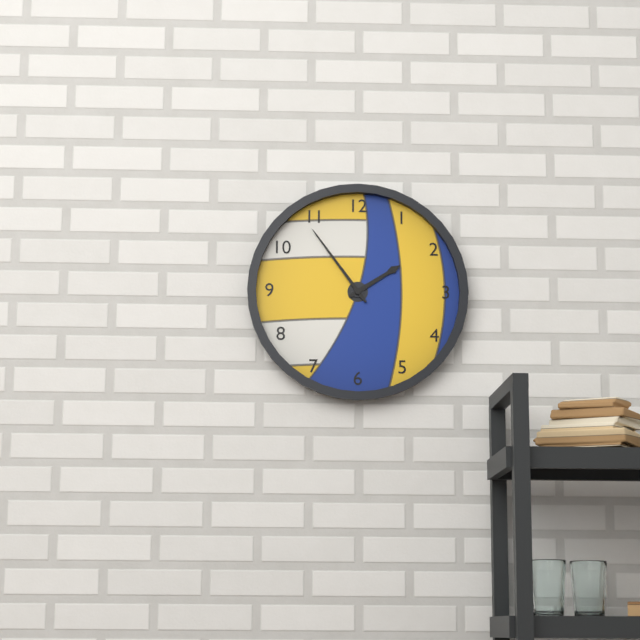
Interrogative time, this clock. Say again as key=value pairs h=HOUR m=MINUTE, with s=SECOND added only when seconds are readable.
h=1 m=54
